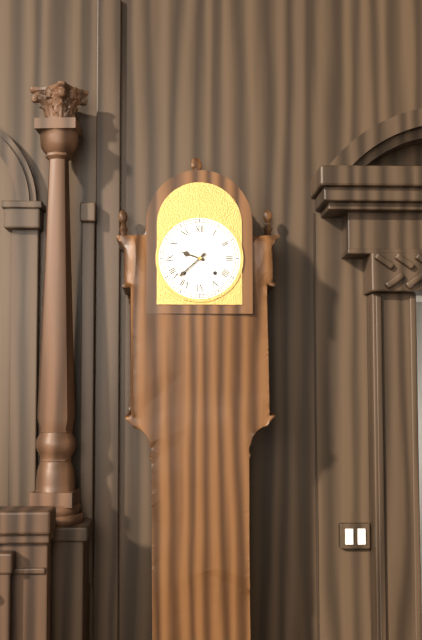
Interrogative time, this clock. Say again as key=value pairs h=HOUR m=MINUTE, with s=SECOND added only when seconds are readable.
h=9 m=38
